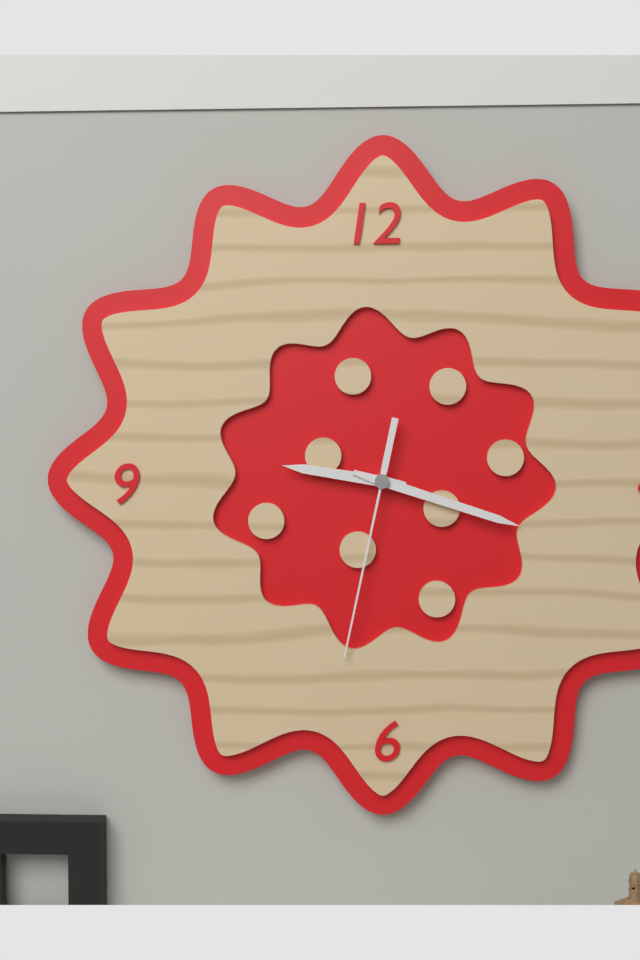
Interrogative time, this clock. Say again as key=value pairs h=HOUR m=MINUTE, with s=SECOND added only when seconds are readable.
h=9 m=18 s=32
